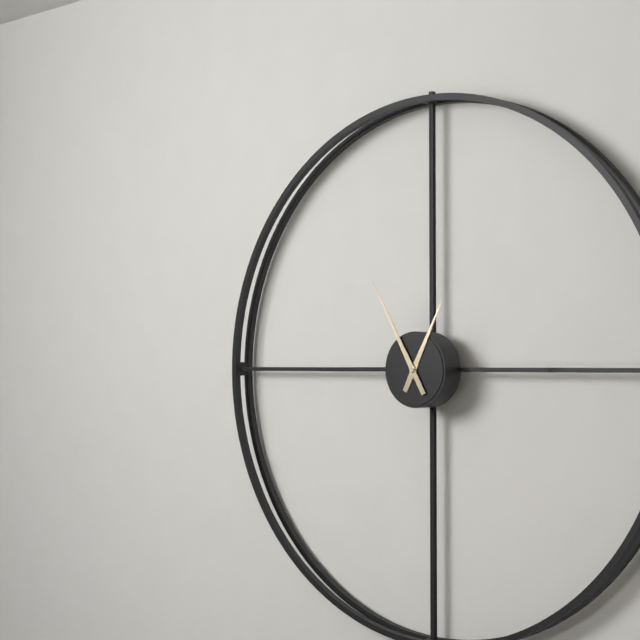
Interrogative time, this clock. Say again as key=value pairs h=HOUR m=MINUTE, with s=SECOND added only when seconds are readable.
h=12 m=55
